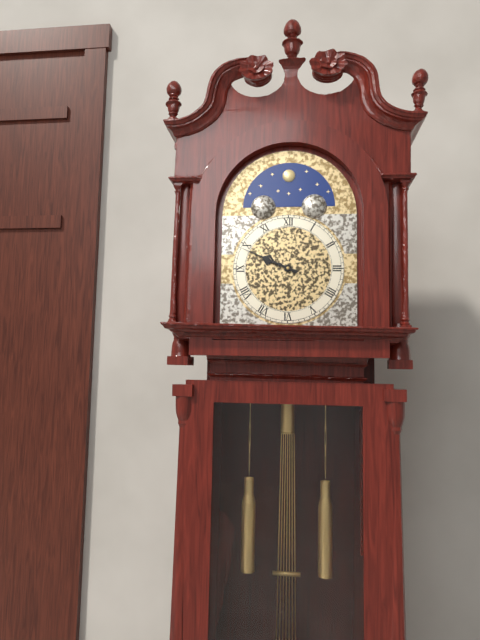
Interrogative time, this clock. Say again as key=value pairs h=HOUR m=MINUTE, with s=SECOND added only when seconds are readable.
h=9 m=49
